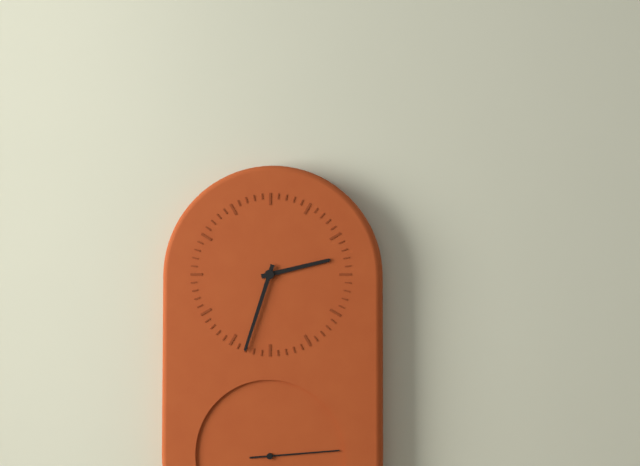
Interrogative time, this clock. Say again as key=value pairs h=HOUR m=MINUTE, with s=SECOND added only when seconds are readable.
h=2 m=33 s=14
